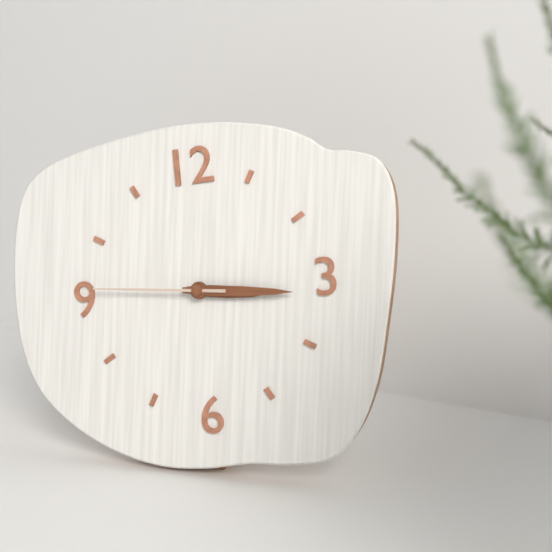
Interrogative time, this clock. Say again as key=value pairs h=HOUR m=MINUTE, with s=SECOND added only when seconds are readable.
h=3 m=16 s=46
